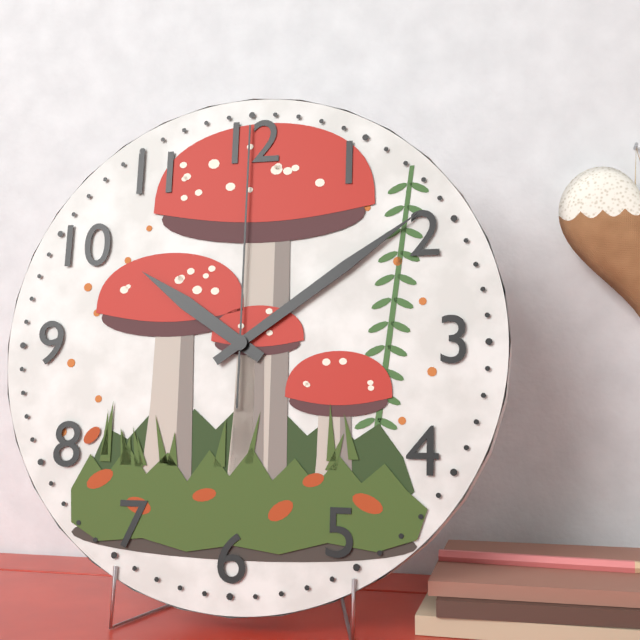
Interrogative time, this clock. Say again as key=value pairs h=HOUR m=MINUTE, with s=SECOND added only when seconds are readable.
h=10 m=9 s=0
